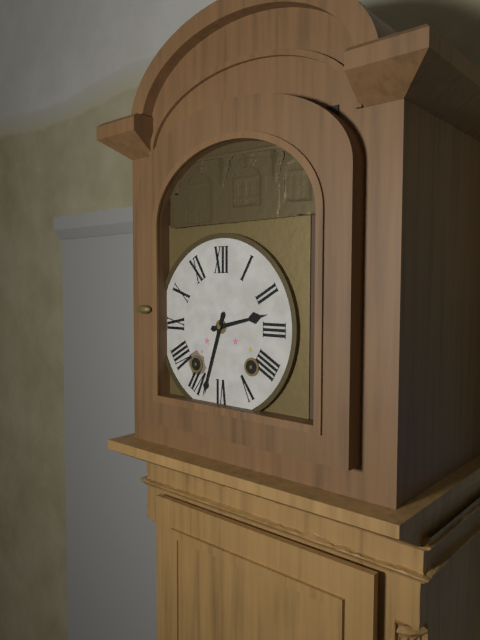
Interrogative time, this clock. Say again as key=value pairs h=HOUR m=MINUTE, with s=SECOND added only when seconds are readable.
h=2 m=33
